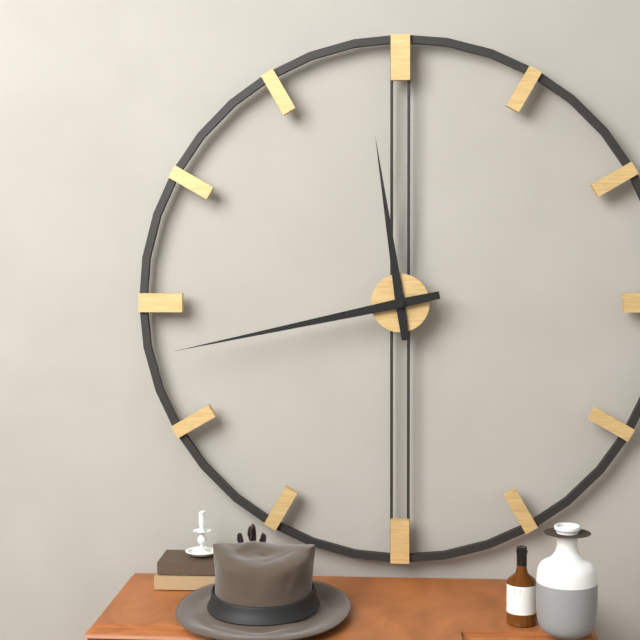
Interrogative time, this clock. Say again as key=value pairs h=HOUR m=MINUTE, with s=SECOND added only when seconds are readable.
h=11 m=43
